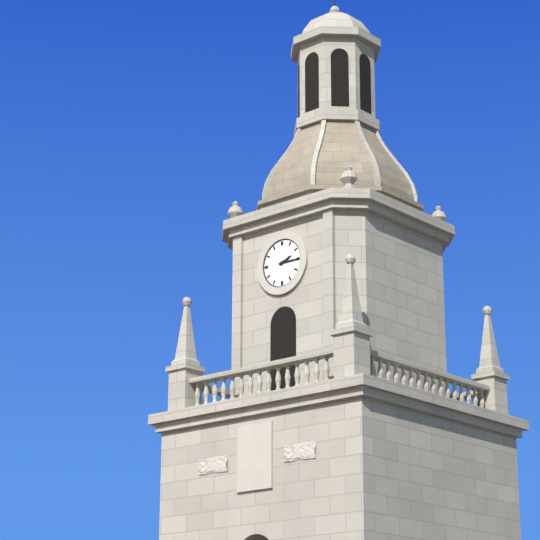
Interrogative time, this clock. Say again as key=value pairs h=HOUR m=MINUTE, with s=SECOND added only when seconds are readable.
h=2 m=15
